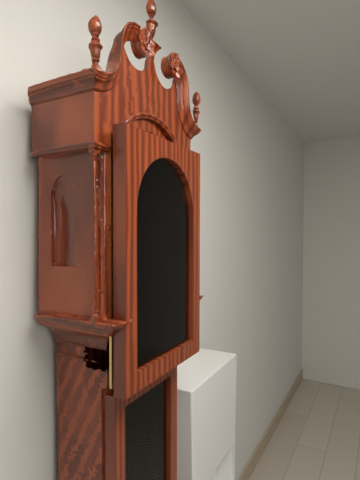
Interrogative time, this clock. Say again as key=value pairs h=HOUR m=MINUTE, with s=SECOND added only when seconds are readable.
h=12 m=3
